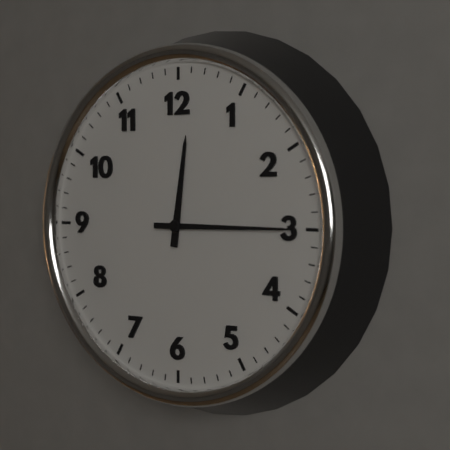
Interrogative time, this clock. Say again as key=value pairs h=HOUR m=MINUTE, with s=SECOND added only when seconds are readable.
h=12 m=15
